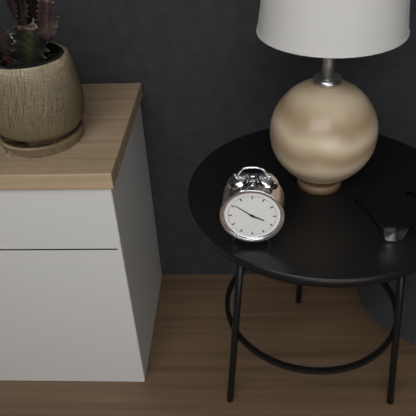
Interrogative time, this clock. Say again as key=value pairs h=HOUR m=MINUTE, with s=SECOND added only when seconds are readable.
h=3 m=51
